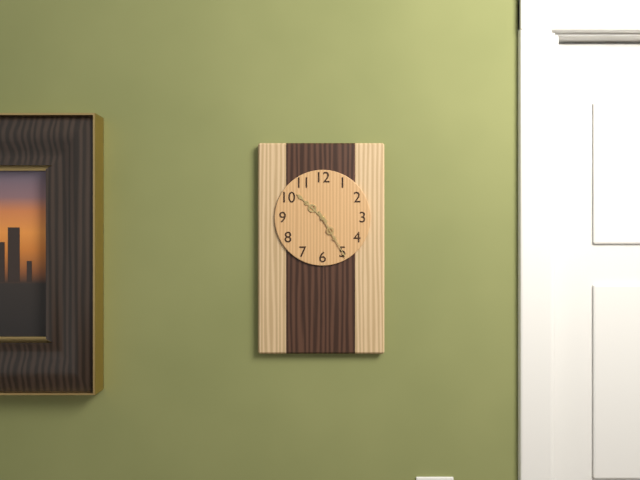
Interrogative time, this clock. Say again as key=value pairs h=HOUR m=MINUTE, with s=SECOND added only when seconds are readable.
h=10 m=25
